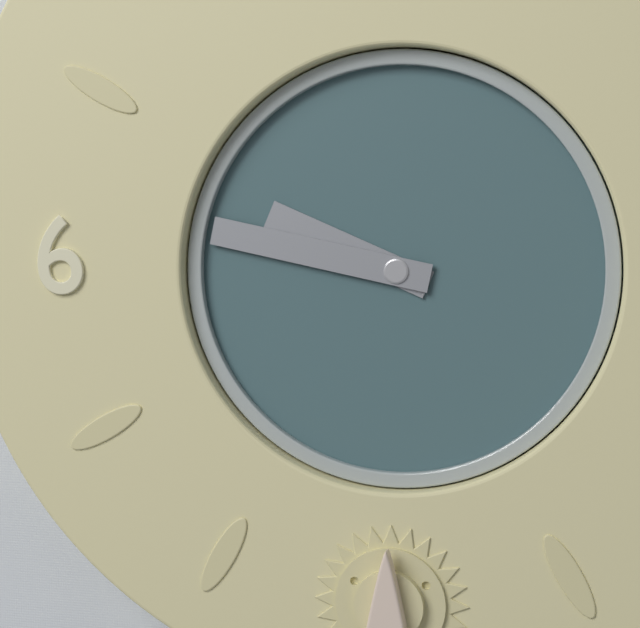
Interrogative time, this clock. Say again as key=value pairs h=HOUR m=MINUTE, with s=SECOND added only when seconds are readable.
h=9 m=47
